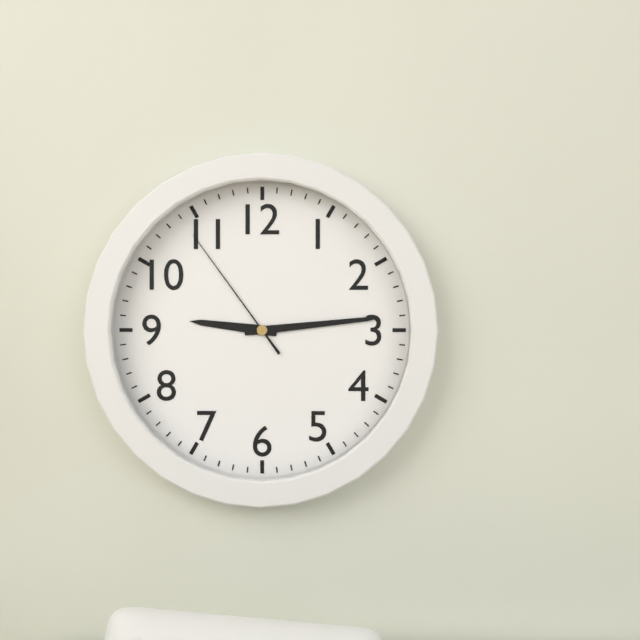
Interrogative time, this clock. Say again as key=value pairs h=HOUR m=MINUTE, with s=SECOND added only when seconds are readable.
h=9 m=14 s=54
